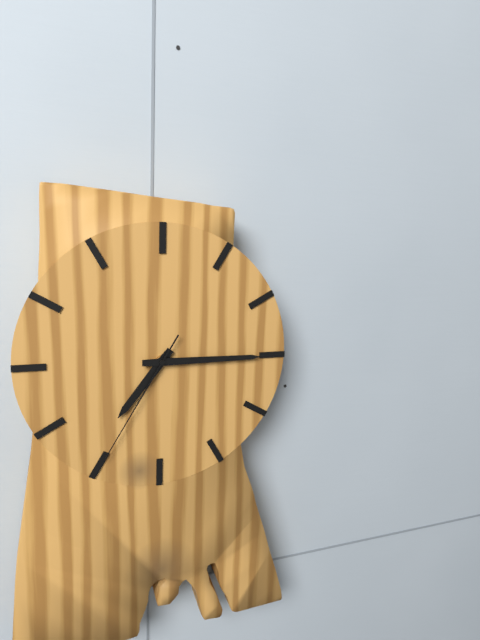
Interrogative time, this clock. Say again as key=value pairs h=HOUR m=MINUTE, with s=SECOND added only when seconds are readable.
h=7 m=15 s=35
